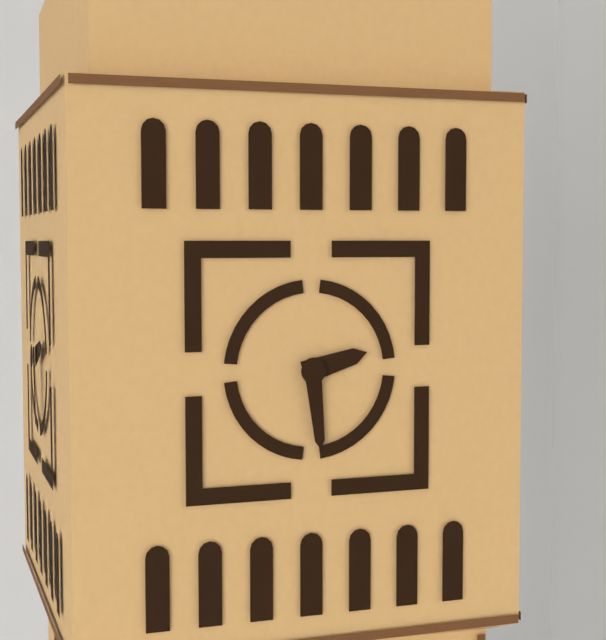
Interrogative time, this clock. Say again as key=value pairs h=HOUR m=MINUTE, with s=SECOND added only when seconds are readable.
h=2 m=29
